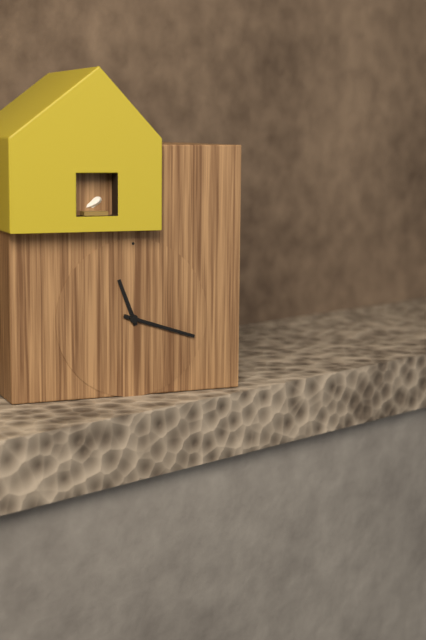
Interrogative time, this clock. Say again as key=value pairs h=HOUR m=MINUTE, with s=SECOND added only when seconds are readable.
h=11 m=18
